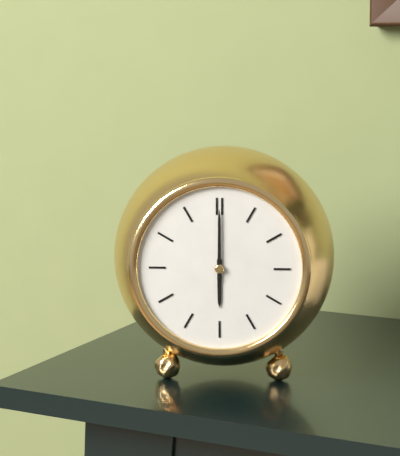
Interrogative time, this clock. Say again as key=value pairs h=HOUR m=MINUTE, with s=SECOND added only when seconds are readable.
h=6 m=0
